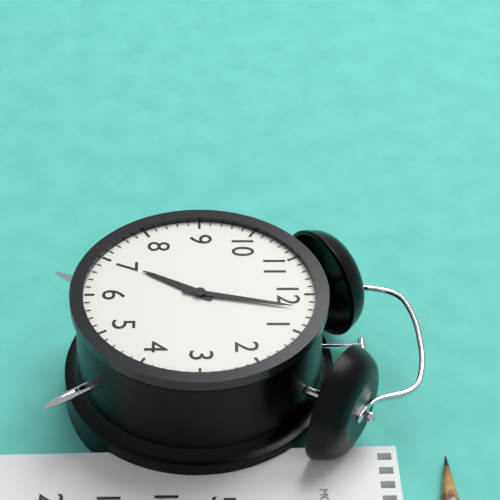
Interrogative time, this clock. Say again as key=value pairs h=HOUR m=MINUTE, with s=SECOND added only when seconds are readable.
h=7 m=2
